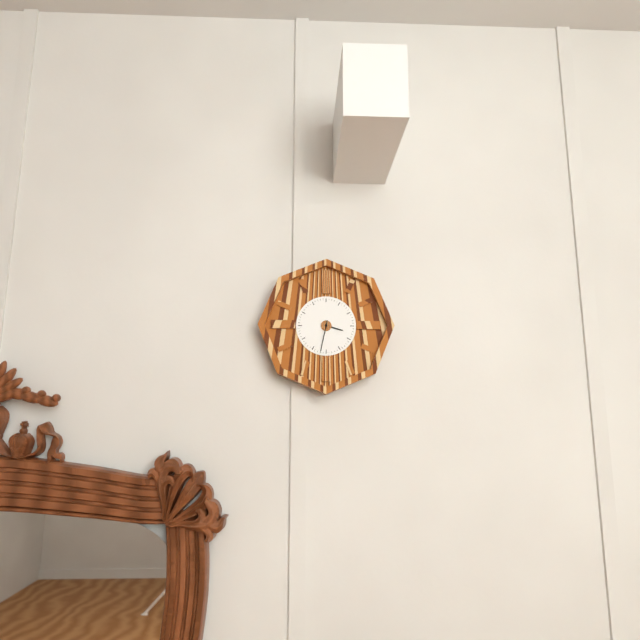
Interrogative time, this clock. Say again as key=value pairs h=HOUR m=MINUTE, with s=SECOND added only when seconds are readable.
h=3 m=32
